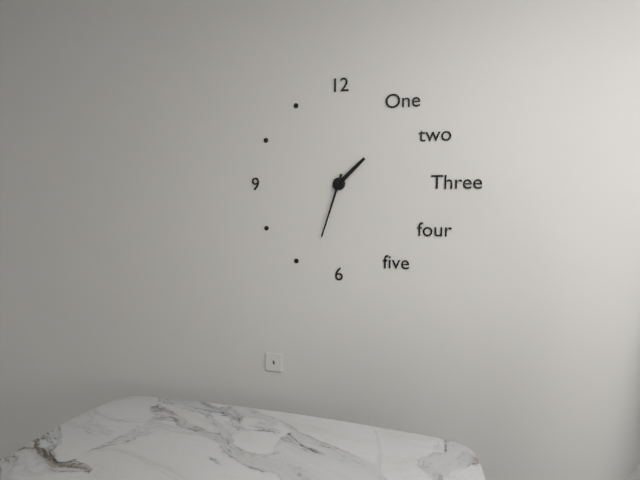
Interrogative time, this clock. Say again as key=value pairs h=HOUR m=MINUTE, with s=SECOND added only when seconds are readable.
h=1 m=33
